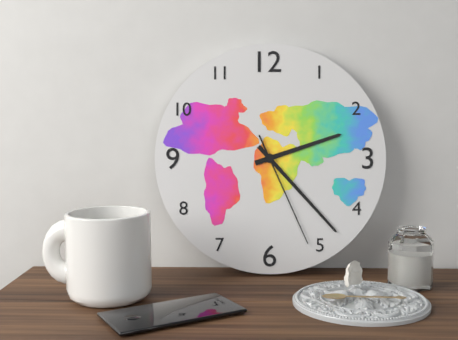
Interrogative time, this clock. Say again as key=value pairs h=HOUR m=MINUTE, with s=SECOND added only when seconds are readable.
h=2 m=23 s=26
